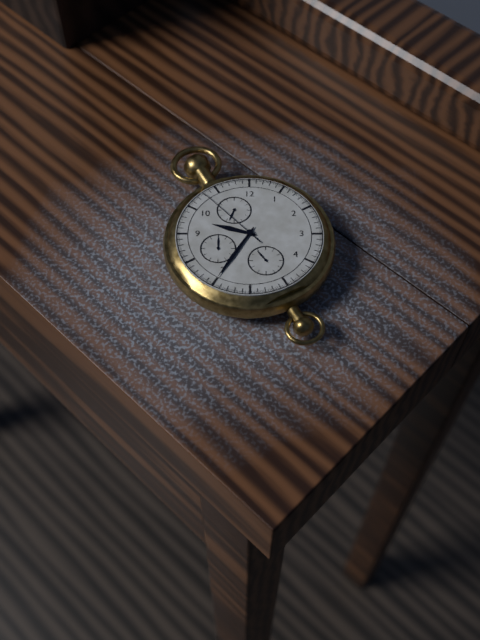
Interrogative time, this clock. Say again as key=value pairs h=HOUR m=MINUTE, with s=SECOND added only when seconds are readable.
h=9 m=35 s=53
